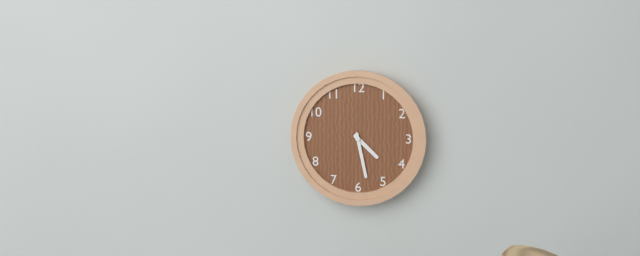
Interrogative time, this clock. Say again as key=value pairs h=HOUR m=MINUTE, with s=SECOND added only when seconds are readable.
h=4 m=28
